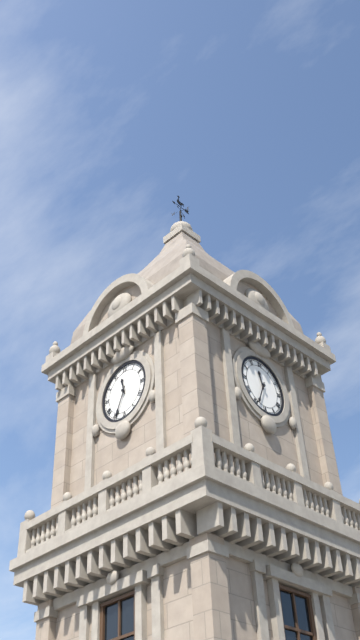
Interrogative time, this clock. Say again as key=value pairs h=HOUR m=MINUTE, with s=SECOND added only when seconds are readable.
h=11 m=34
